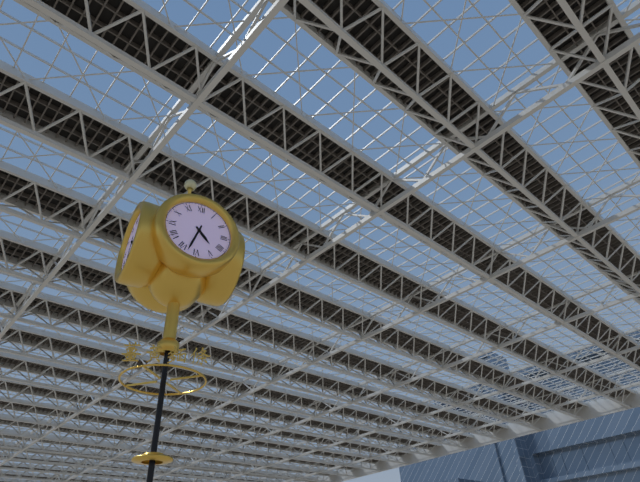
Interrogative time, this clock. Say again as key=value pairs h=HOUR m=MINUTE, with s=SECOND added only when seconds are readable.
h=4 m=33
